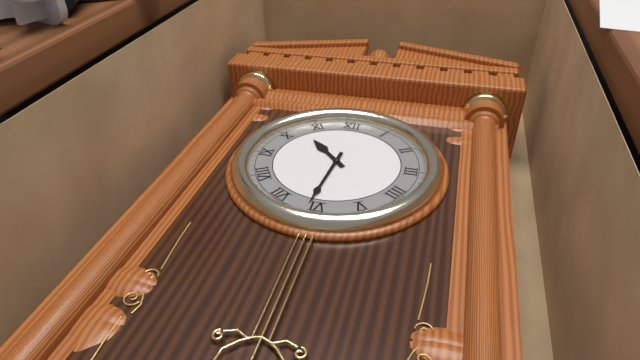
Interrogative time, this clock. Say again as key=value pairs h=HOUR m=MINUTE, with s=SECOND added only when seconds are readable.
h=10 m=31
